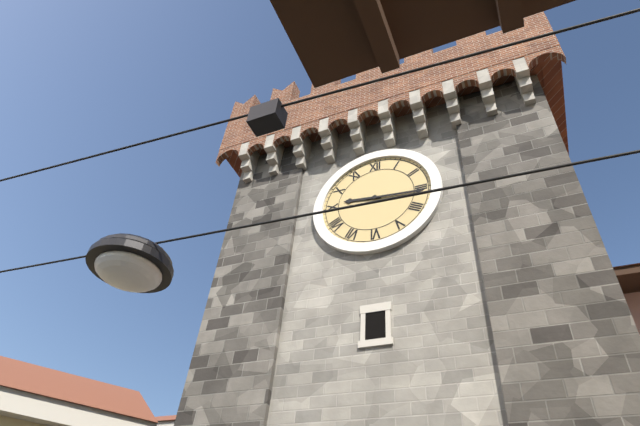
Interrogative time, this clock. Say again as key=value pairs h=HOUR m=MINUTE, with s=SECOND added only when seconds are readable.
h=9 m=16
